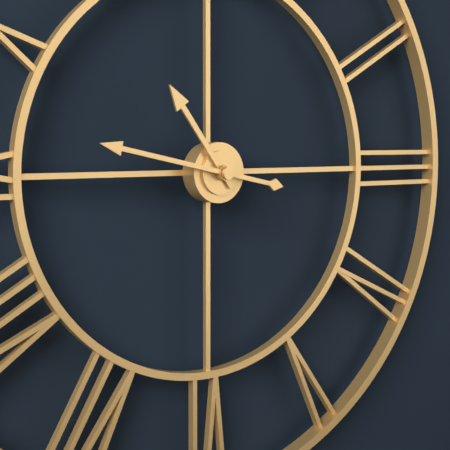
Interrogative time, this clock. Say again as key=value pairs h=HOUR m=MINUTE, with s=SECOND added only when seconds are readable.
h=10 m=47
